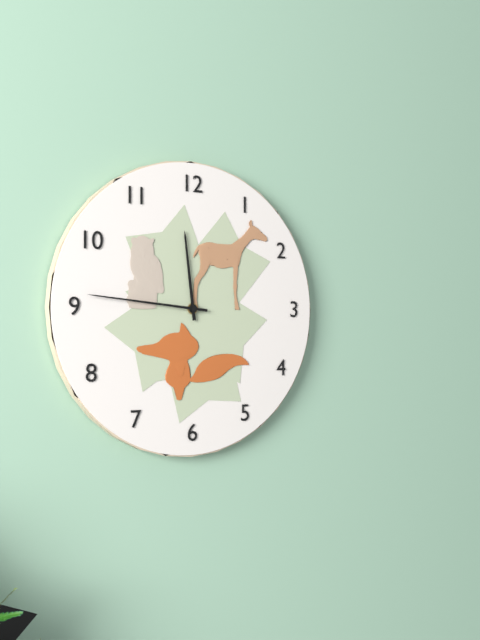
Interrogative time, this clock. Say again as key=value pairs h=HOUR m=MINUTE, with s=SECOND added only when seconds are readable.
h=11 m=46
